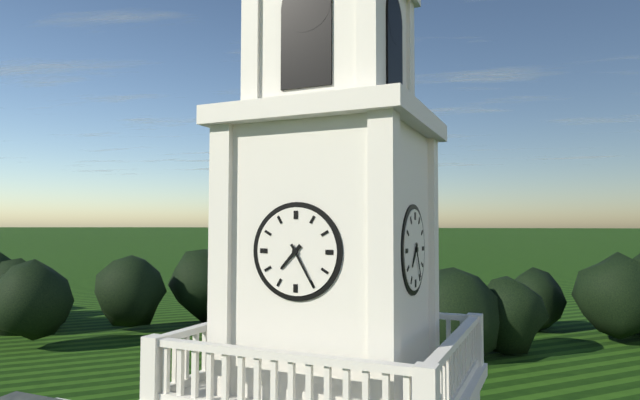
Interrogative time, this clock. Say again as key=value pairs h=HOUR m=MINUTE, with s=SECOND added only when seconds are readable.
h=7 m=25
